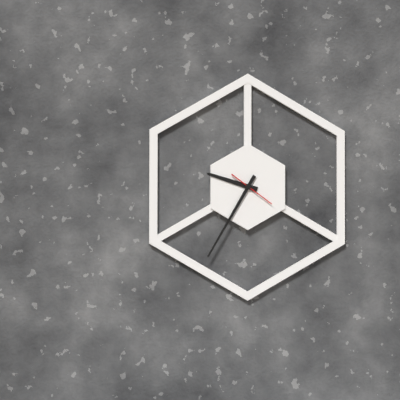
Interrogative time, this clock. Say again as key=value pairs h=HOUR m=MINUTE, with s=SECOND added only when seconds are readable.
h=9 m=35
